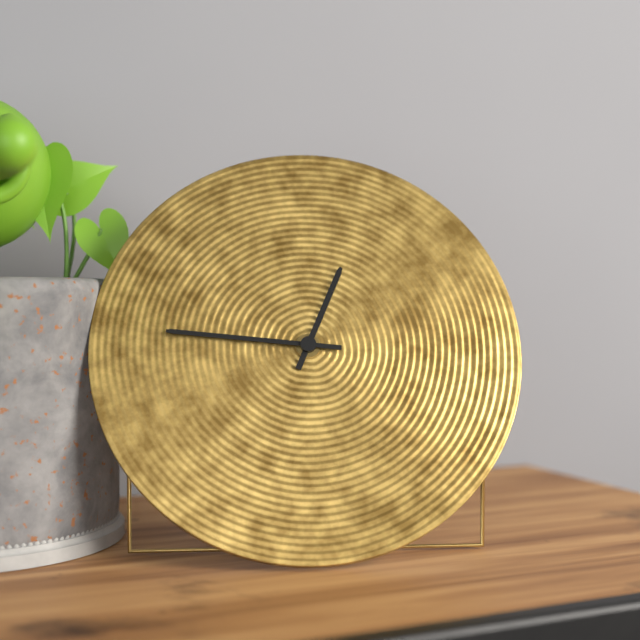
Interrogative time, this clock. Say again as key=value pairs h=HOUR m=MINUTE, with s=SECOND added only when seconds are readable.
h=12 m=46
